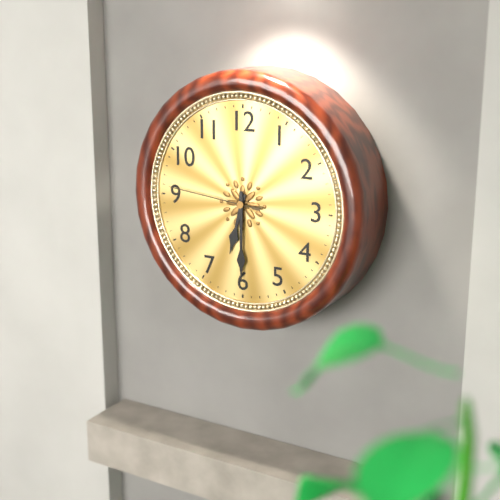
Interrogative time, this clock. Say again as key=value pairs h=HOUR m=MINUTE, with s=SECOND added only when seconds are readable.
h=6 m=30 s=46
